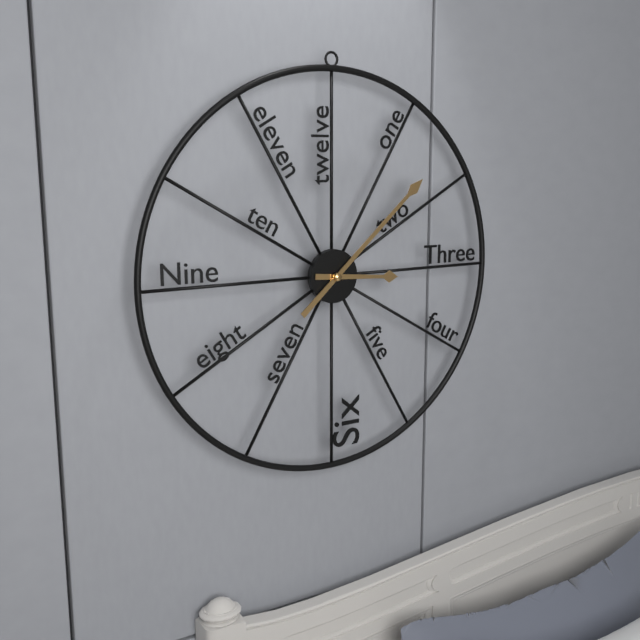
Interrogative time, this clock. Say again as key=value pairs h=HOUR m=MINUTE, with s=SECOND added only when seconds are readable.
h=3 m=8
